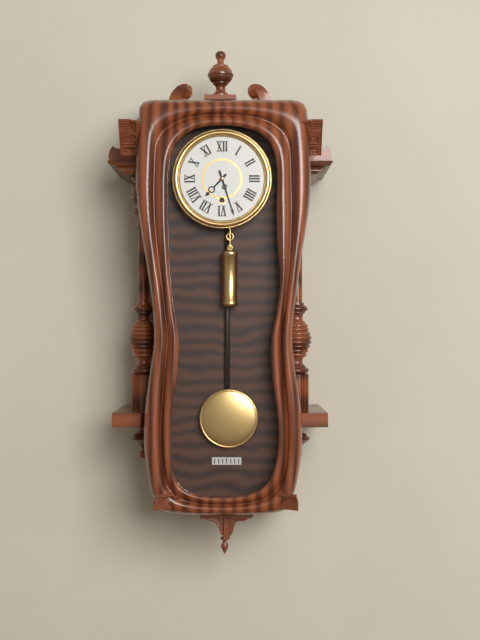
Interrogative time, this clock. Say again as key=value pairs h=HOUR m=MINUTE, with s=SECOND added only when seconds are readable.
h=7 m=27
